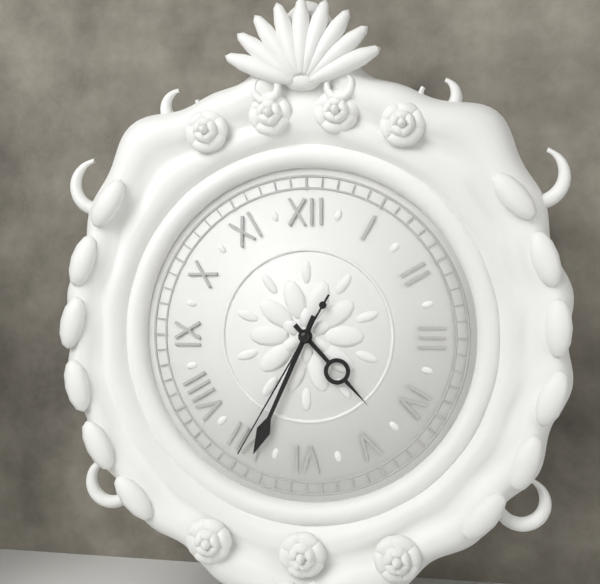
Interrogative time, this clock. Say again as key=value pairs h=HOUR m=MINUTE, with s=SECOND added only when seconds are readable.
h=4 m=34 s=35
